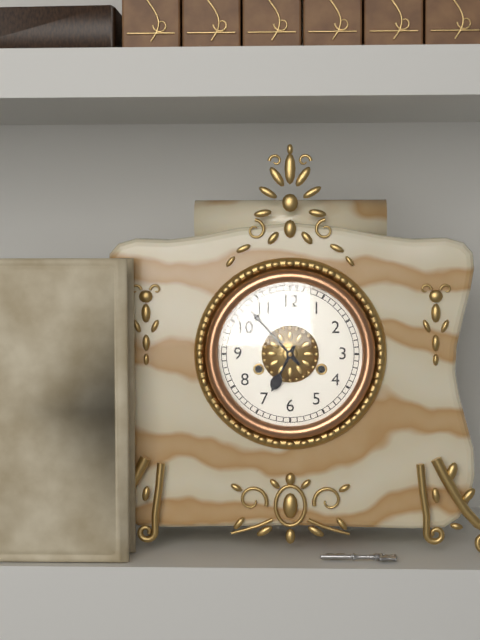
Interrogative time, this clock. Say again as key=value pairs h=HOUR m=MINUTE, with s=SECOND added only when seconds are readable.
h=6 m=53
